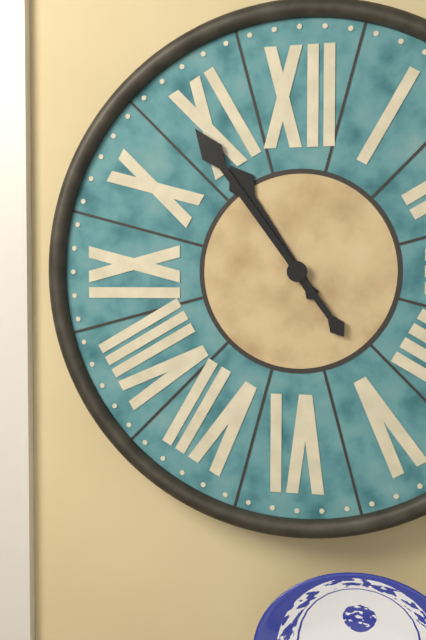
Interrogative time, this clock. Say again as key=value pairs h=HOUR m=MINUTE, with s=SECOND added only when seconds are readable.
h=10 m=54
